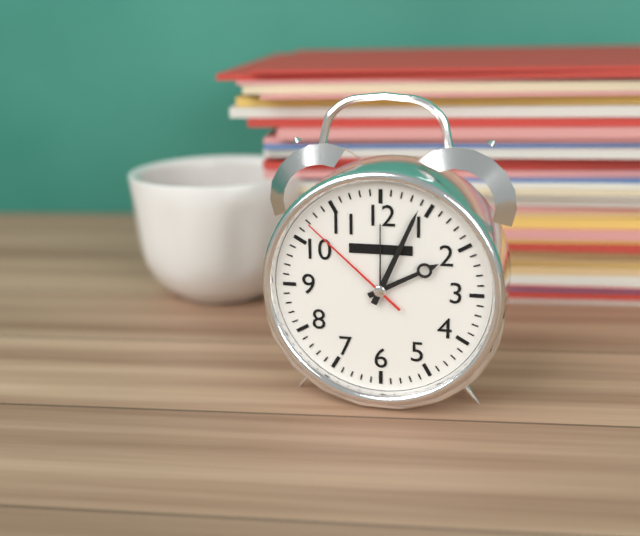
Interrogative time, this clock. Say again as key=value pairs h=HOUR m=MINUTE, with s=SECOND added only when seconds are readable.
h=2 m=4 s=52
